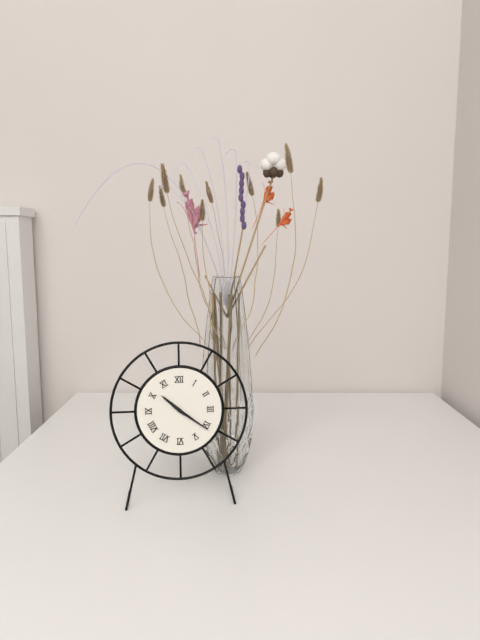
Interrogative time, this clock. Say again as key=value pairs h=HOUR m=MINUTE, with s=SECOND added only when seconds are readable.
h=10 m=21
